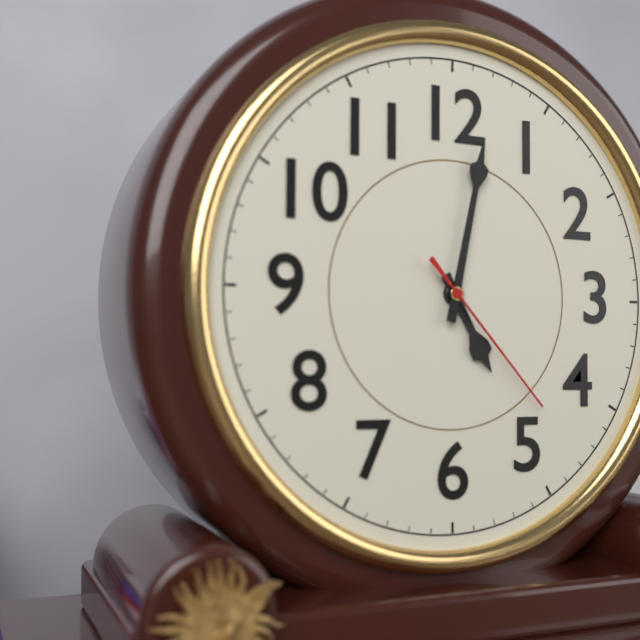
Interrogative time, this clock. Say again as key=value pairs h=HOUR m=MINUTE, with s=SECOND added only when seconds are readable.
h=5 m=2 s=23
